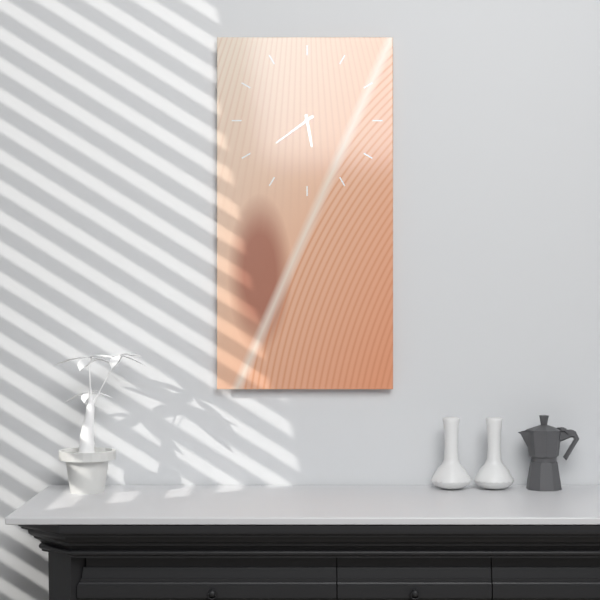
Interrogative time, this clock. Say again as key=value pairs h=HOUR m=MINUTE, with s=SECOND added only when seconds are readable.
h=5 m=39
